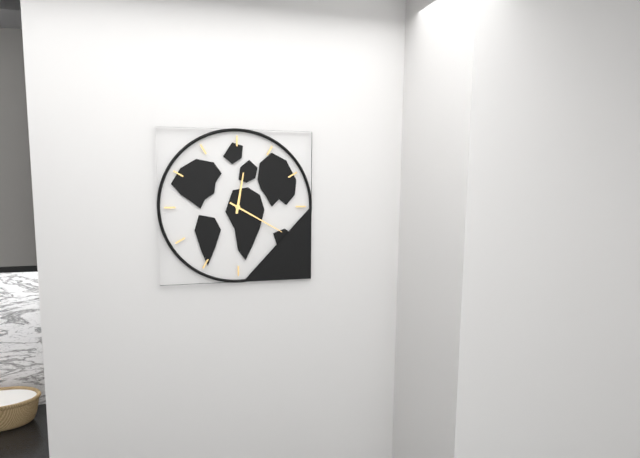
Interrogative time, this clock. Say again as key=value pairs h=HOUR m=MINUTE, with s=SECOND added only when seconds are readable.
h=12 m=20
